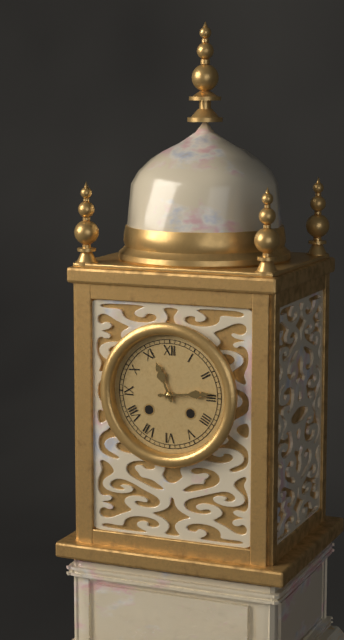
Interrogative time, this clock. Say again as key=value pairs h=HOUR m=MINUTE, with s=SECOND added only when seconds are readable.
h=11 m=14
